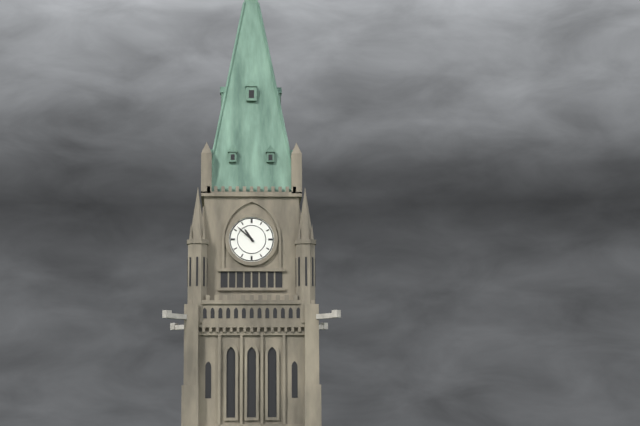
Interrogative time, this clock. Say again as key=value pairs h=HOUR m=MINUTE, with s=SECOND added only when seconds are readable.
h=10 m=52
